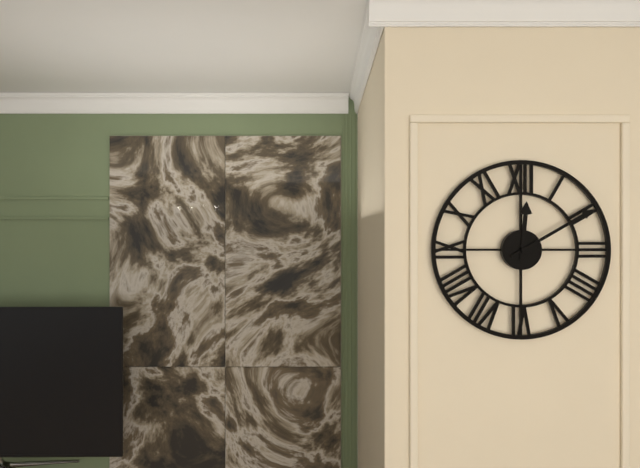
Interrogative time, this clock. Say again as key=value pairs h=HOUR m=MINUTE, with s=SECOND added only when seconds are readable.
h=12 m=10
